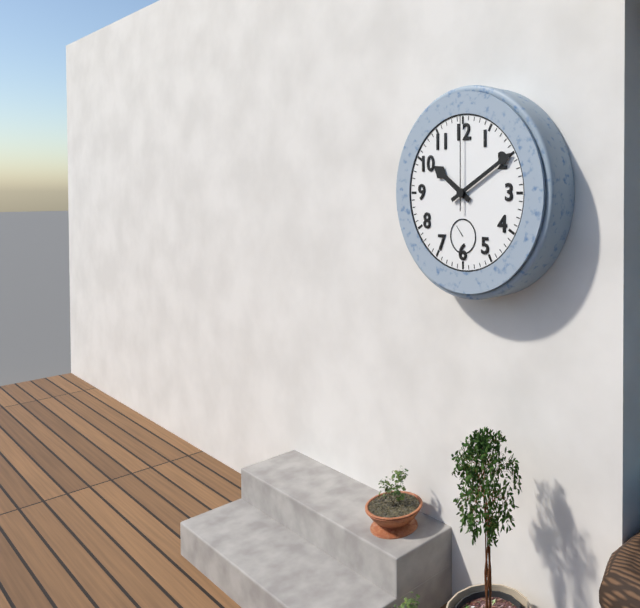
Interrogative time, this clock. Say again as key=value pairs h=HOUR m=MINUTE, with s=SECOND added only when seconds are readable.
h=10 m=10 s=0
